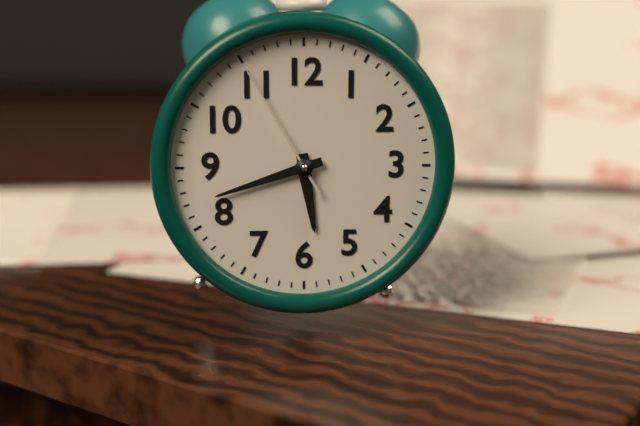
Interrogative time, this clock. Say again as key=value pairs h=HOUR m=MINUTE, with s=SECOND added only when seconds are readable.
h=5 m=42 s=55
